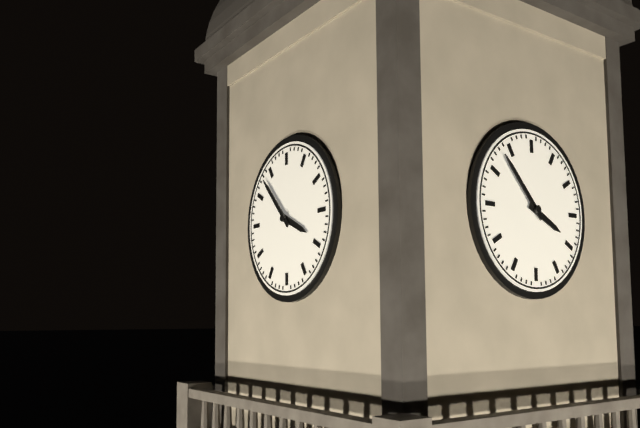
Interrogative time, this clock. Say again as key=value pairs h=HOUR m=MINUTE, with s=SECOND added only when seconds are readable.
h=3 m=53
